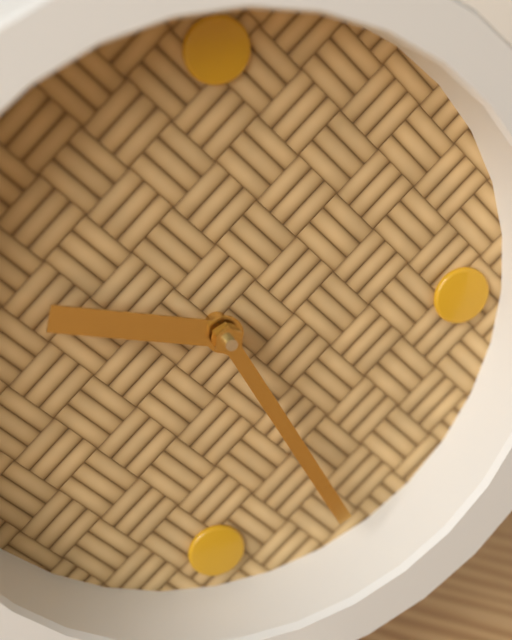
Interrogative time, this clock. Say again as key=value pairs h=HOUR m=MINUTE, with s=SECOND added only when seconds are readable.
h=9 m=25
